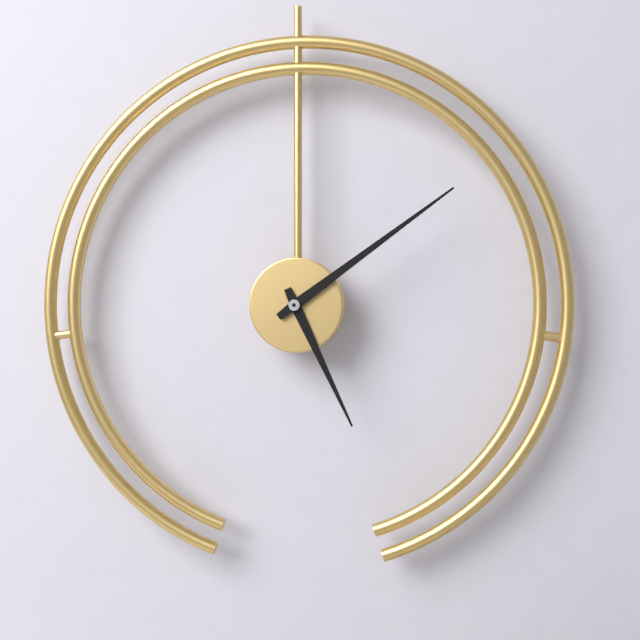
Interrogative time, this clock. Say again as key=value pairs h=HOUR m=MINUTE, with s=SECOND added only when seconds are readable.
h=5 m=9
